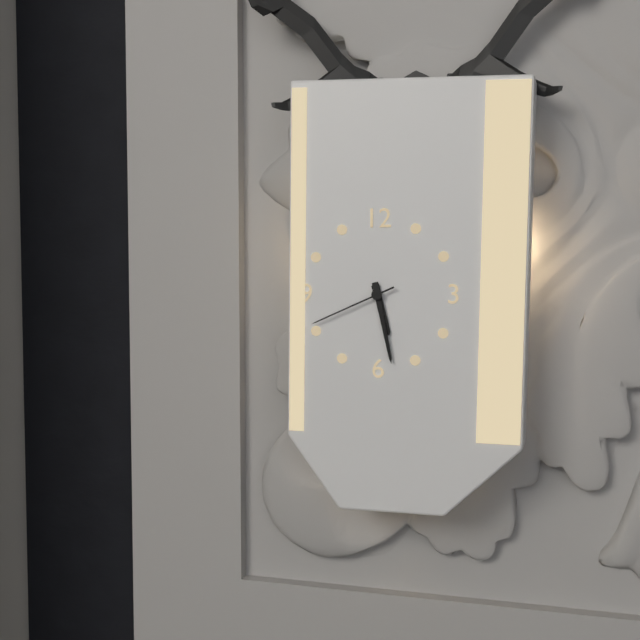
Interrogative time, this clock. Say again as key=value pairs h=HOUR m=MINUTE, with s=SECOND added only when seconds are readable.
h=5 m=28 s=41
